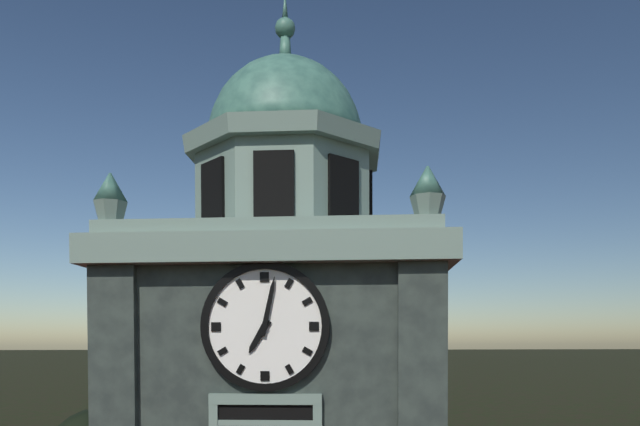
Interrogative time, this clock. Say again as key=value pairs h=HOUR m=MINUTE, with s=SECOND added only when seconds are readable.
h=7 m=2
